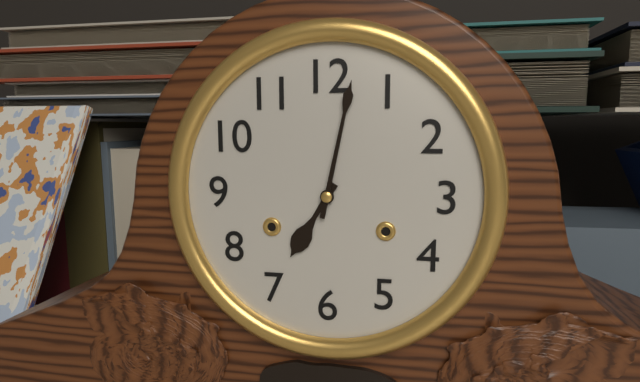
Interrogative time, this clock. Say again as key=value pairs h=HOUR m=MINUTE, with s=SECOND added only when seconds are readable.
h=7 m=2
